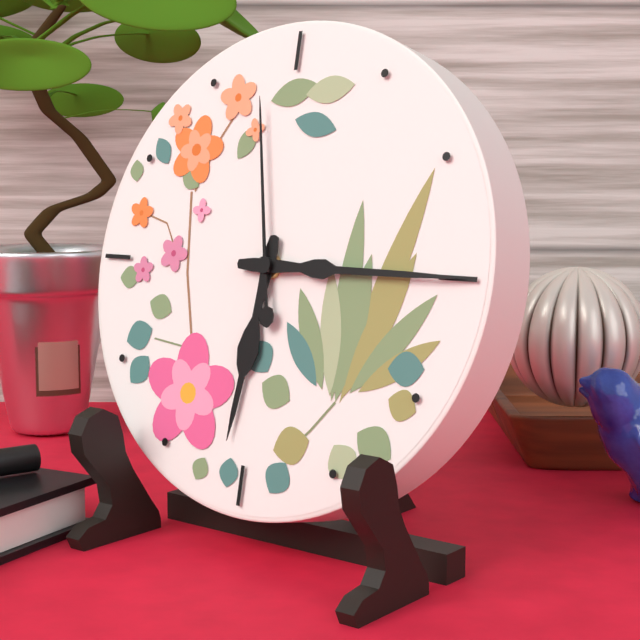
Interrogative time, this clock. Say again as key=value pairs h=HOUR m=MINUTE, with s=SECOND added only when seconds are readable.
h=6 m=15 s=58
